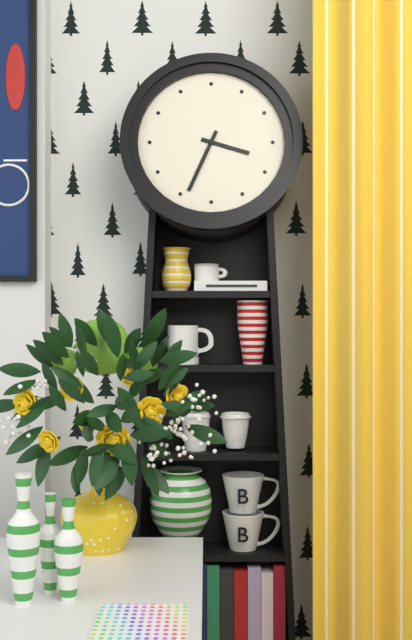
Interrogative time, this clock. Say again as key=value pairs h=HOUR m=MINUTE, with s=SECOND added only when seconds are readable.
h=3 m=34
